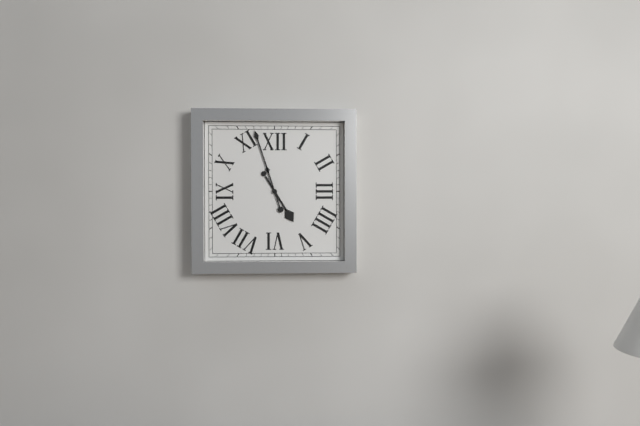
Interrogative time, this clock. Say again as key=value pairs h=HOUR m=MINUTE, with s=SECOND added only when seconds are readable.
h=4 m=57
